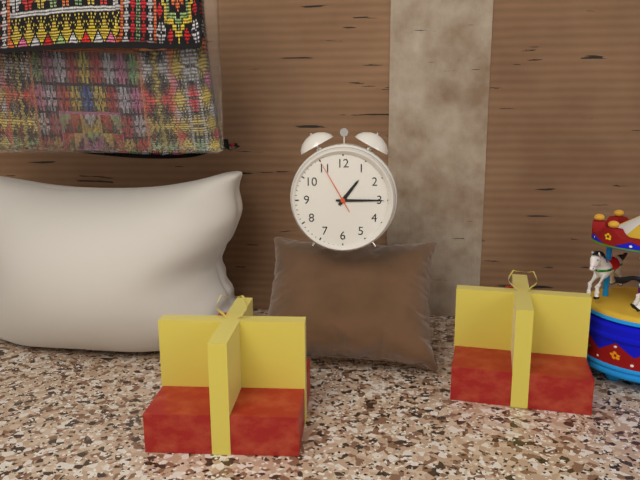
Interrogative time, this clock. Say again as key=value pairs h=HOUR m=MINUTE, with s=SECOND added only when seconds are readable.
h=1 m=15 s=55
